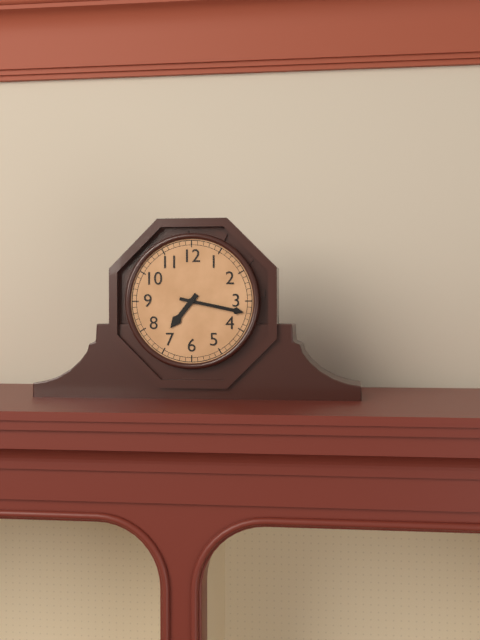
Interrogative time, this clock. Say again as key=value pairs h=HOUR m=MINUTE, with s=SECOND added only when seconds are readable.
h=7 m=17
